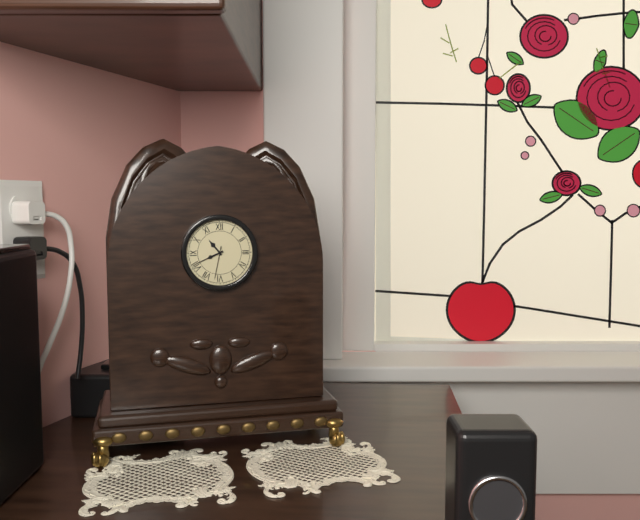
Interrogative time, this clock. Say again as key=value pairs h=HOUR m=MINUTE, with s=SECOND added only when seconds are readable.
h=10 m=41
